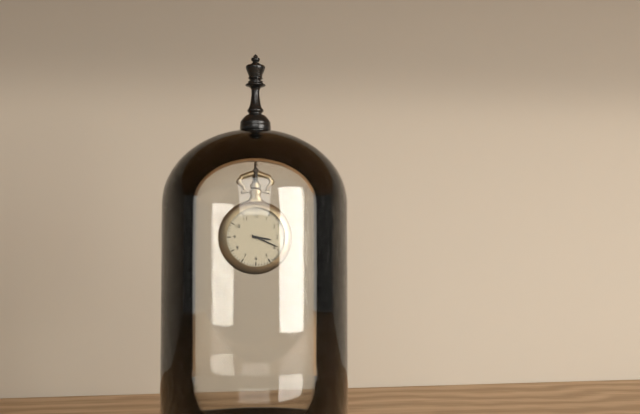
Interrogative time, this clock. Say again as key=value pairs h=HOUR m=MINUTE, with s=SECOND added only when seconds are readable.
h=3 m=19
